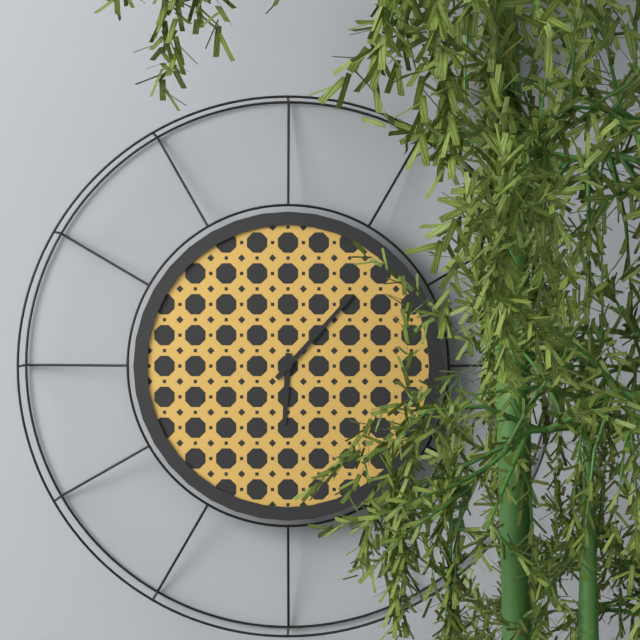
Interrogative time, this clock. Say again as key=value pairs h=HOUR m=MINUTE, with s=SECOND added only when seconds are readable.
h=6 m=7
